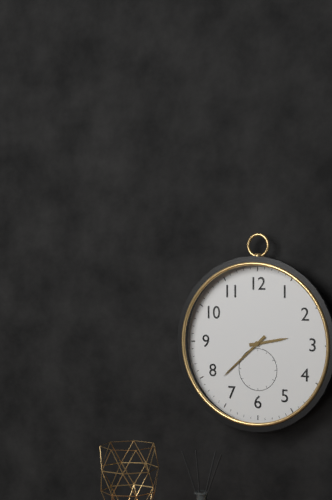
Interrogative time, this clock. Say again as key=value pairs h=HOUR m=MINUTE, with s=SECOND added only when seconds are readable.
h=2 m=38
